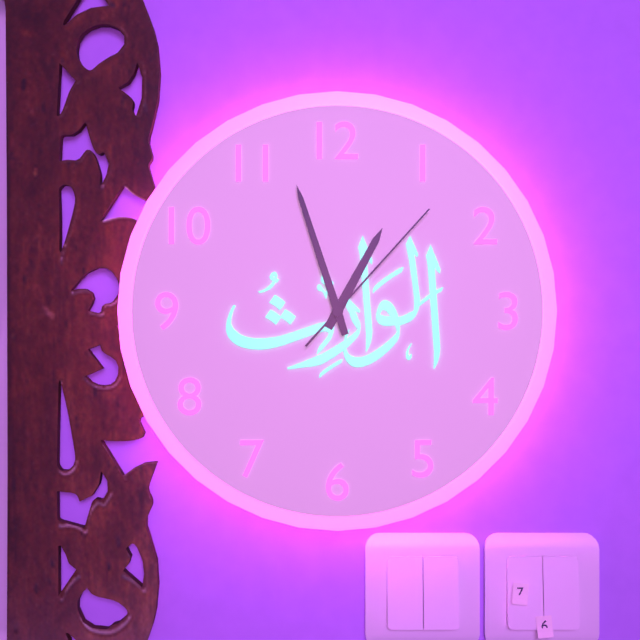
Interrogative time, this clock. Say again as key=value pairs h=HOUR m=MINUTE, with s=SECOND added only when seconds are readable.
h=12 m=57 s=7
